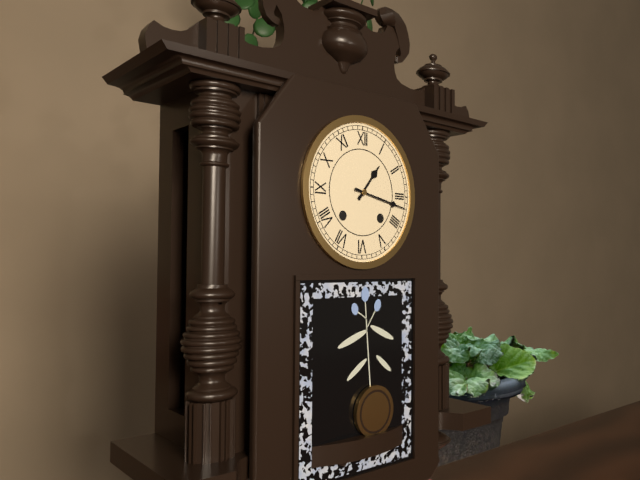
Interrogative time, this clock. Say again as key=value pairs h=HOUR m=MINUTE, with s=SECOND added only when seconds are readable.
h=1 m=17
